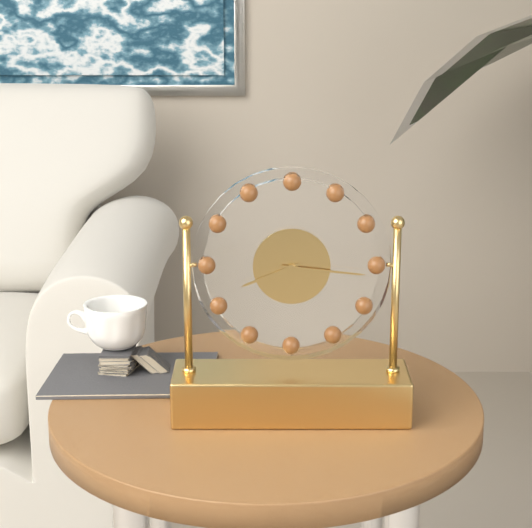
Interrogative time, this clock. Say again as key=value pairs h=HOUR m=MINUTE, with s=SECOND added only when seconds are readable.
h=8 m=16
